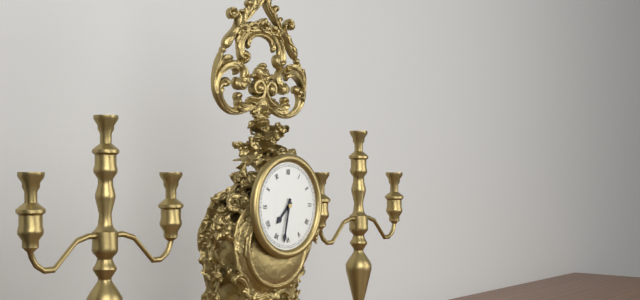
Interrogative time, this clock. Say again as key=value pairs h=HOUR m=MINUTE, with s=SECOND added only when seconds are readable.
h=7 m=32
